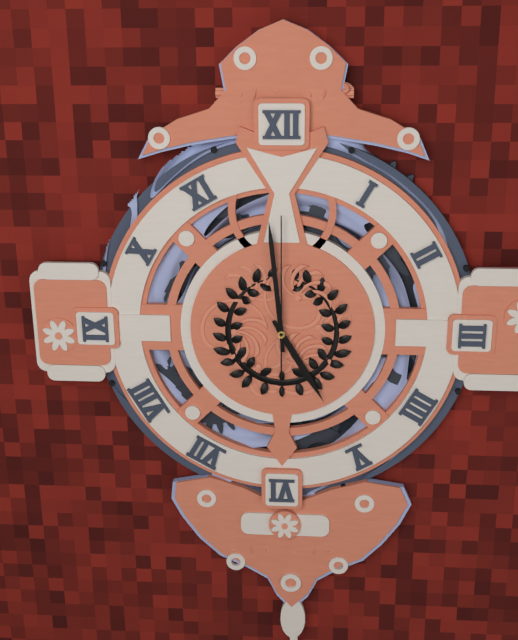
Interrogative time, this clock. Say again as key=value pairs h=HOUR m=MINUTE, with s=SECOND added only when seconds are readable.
h=4 m=59 s=0
